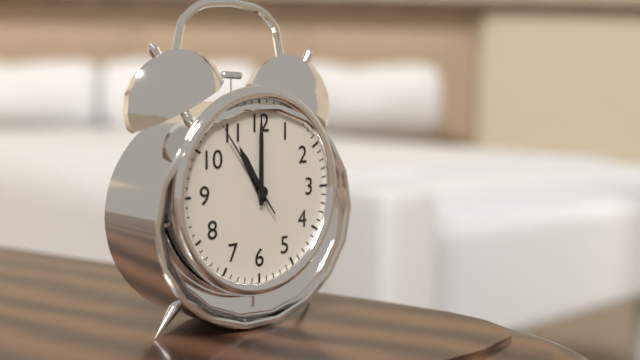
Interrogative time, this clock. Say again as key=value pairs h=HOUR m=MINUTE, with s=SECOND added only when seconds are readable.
h=11 m=0 s=54
